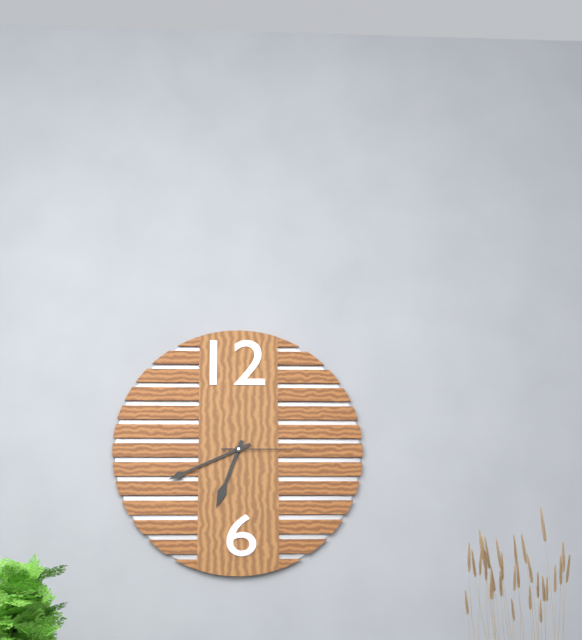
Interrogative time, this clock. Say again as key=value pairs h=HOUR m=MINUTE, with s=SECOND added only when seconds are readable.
h=6 m=41 s=15
